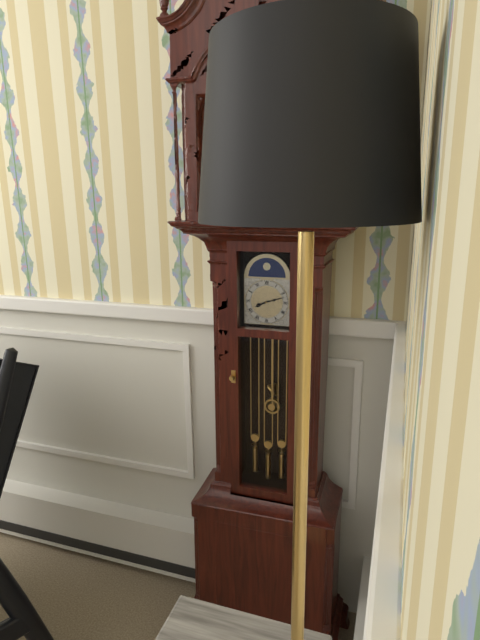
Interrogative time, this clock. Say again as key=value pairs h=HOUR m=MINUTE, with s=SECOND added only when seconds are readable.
h=8 m=12
